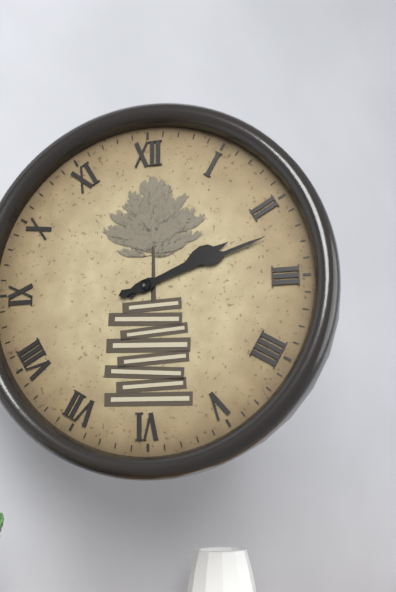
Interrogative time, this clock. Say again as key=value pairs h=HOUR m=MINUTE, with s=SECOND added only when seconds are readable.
h=2 m=12
